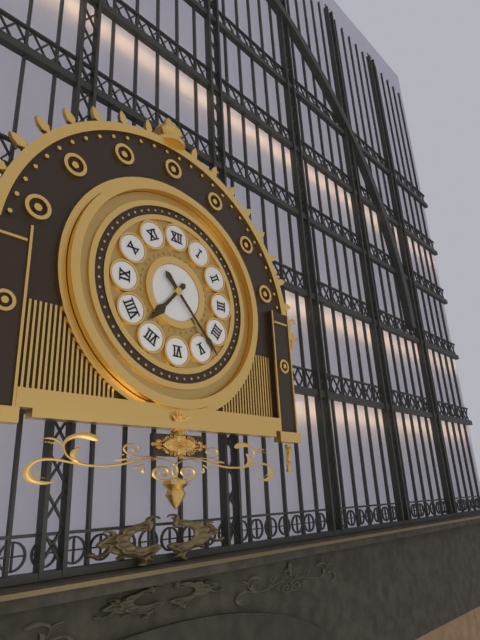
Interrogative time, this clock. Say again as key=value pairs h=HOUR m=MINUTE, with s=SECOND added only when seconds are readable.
h=7 m=23
